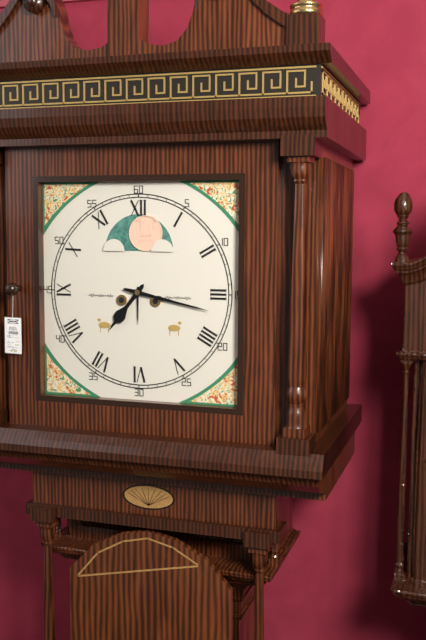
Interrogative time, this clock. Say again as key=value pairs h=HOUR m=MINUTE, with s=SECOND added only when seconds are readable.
h=7 m=17
